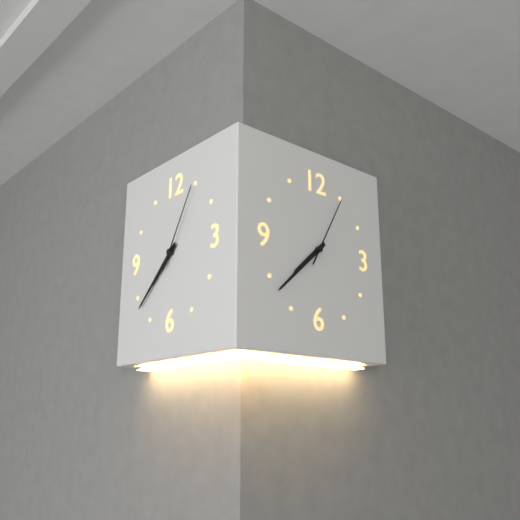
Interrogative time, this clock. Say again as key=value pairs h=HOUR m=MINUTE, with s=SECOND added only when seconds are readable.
h=7 m=38 s=5
